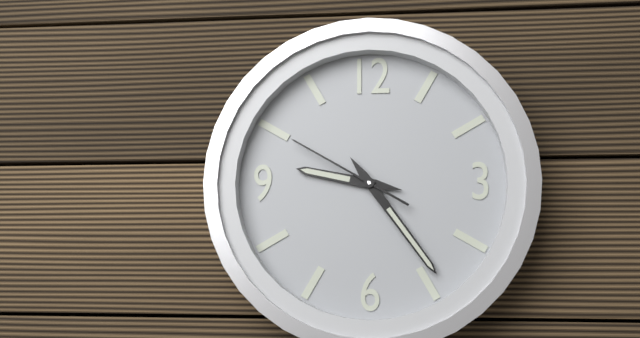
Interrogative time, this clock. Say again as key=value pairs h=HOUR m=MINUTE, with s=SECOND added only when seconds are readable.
h=9 m=24 s=50
